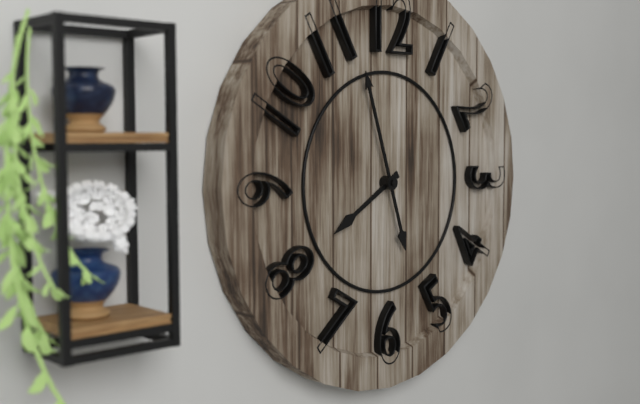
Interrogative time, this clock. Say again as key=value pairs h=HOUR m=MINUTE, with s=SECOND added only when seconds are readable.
h=7 m=57
